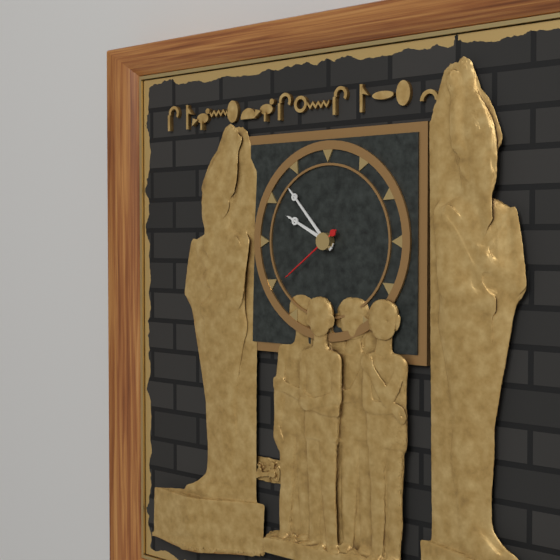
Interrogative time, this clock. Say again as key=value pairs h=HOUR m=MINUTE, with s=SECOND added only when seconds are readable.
h=9 m=53 s=39
